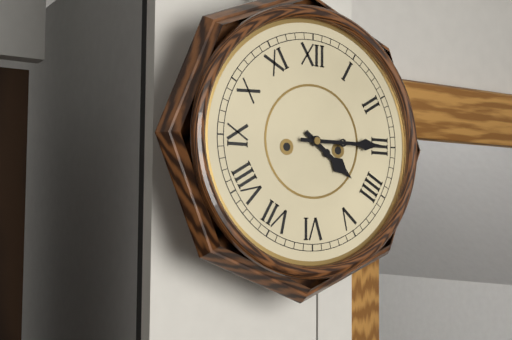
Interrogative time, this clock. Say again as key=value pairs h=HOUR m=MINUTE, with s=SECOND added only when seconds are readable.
h=4 m=15
